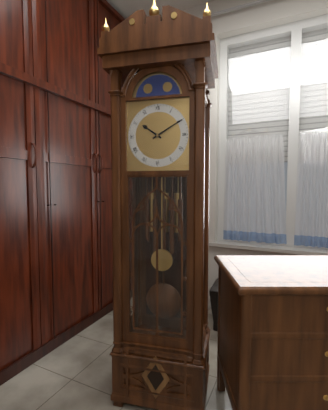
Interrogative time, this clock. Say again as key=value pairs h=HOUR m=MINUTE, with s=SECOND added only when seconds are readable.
h=10 m=10
